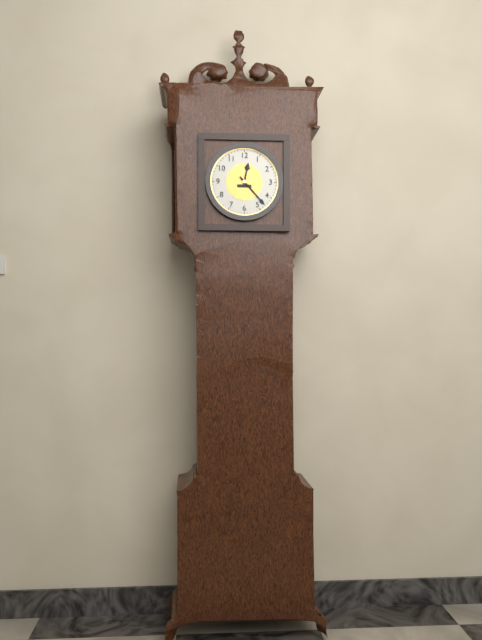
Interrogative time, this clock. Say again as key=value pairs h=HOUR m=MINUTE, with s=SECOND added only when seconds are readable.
h=12 m=23
